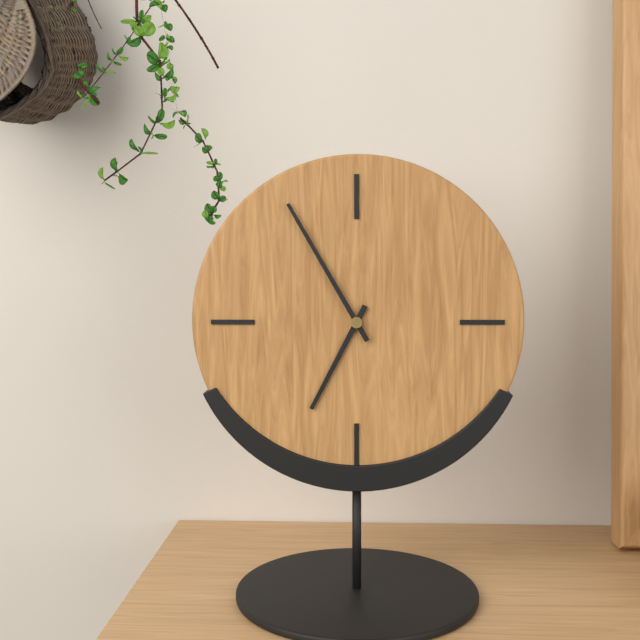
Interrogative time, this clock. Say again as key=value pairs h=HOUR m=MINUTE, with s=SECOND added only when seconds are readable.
h=6 m=55
